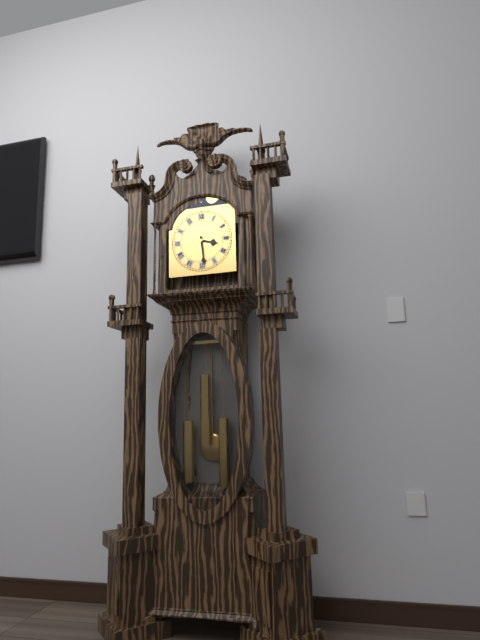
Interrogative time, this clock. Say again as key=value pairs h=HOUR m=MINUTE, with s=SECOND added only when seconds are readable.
h=3 m=29
